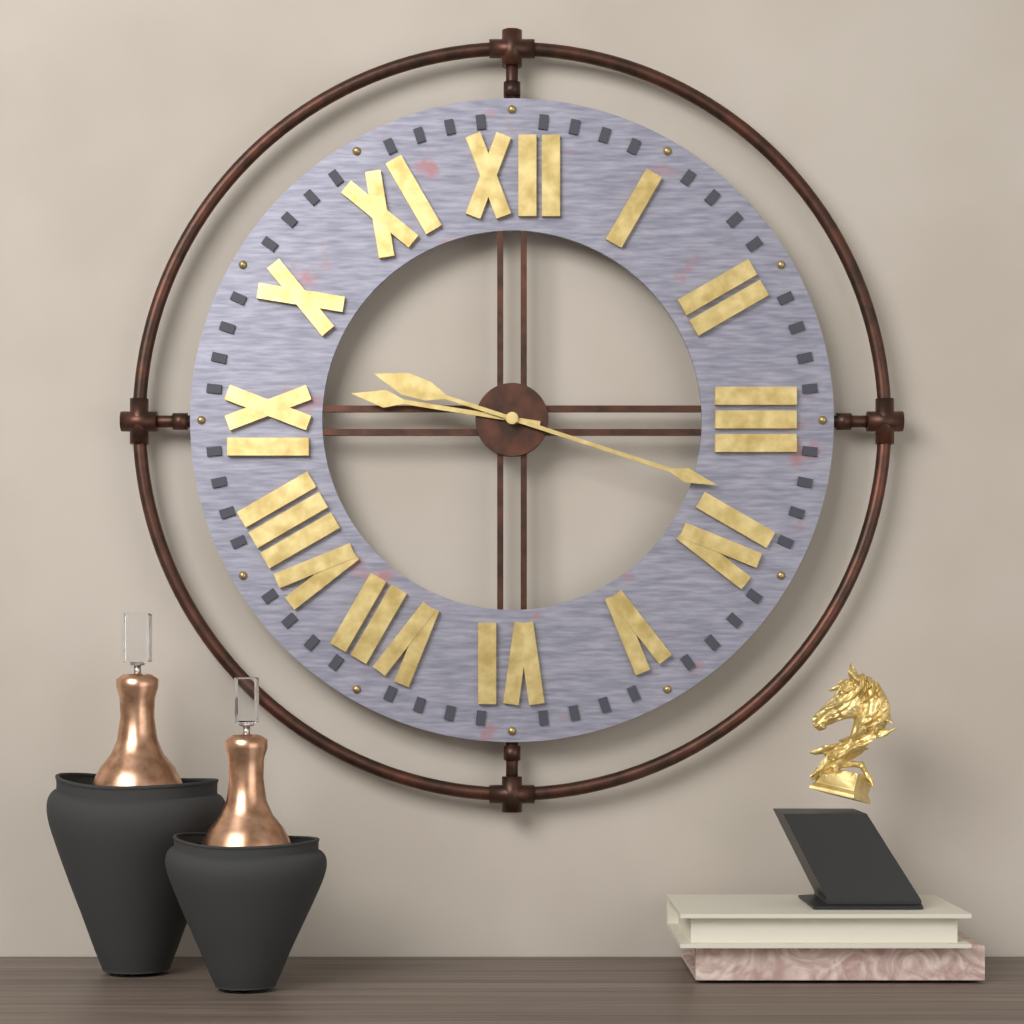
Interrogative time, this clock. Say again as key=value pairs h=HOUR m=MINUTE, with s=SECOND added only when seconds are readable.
h=9 m=18
